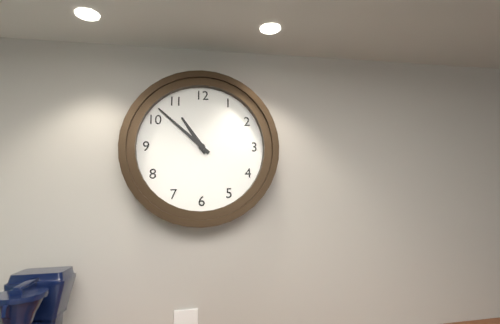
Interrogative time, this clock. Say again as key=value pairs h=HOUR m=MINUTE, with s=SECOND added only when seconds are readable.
h=10 m=52
